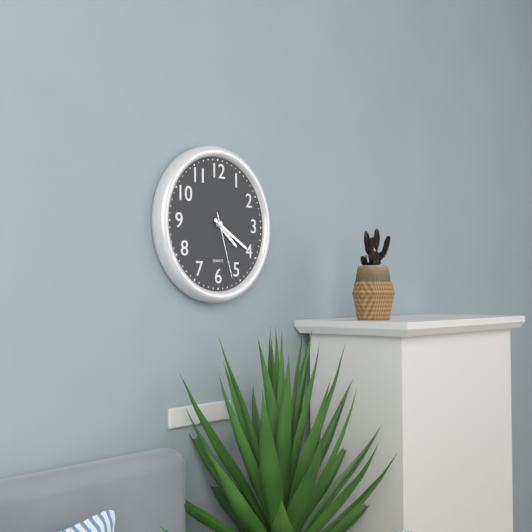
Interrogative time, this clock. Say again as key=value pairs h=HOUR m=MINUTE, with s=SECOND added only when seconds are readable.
h=4 m=20 s=27
